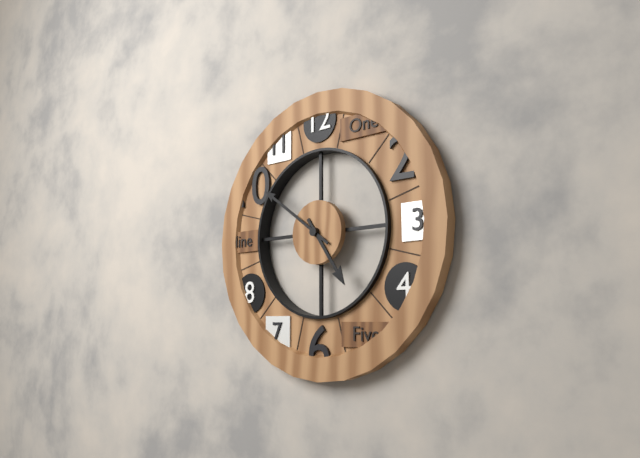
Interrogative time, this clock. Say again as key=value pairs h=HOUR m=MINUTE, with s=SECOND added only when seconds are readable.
h=4 m=51
